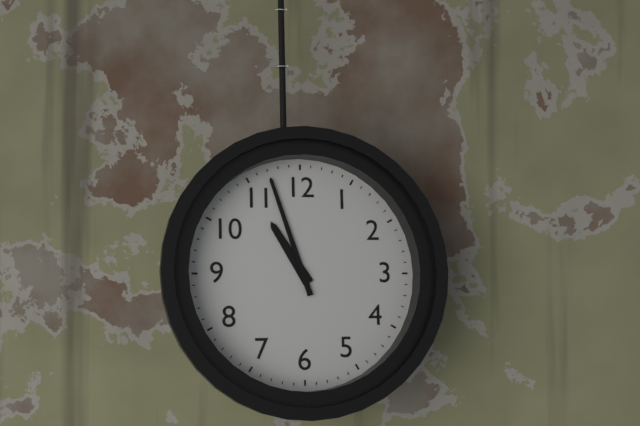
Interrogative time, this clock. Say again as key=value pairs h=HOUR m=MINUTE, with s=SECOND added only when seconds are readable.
h=10 m=57
